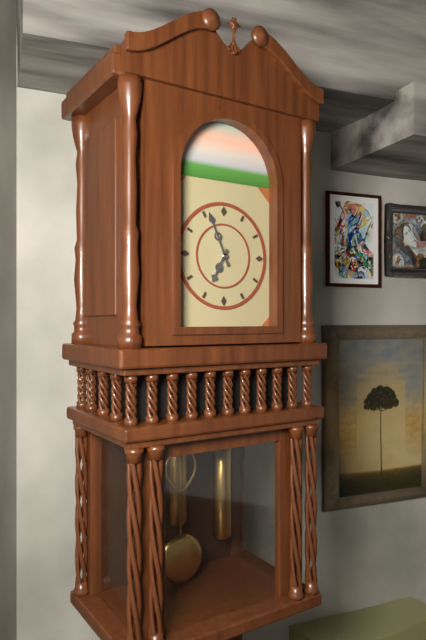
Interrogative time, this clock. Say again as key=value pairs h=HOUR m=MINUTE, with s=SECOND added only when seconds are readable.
h=6 m=56
